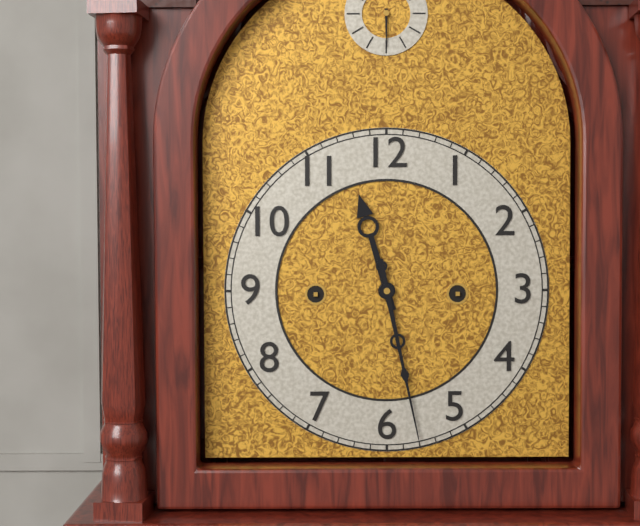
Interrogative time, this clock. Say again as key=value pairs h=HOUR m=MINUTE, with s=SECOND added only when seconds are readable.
h=11 m=28
